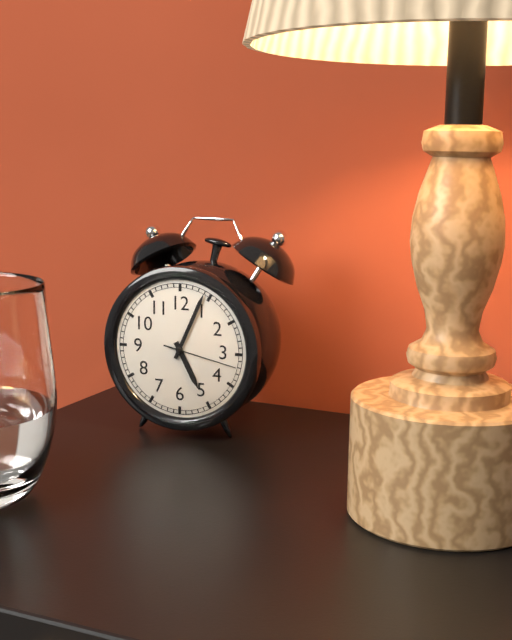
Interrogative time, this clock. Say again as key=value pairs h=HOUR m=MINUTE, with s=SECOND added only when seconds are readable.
h=5 m=4 s=17
